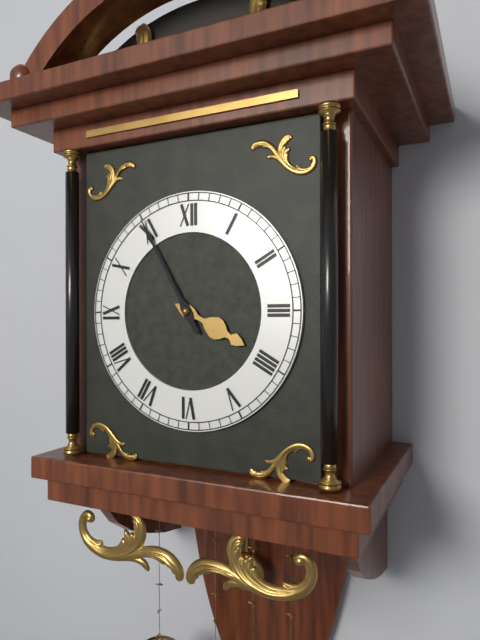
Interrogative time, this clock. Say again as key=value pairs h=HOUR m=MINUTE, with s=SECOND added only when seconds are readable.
h=3 m=55
